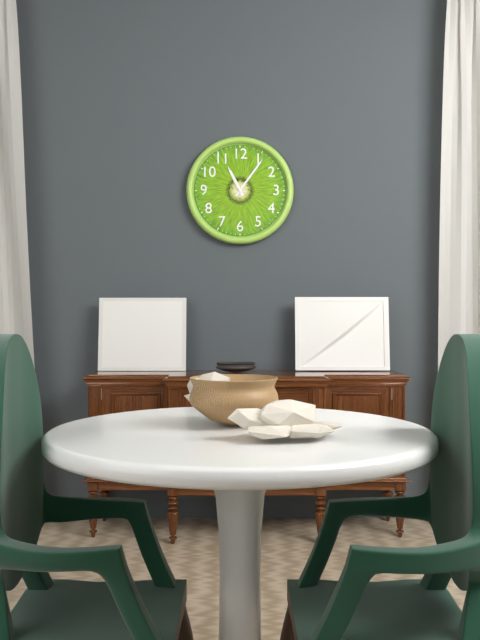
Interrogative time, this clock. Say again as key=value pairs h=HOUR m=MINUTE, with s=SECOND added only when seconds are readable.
h=11 m=6
